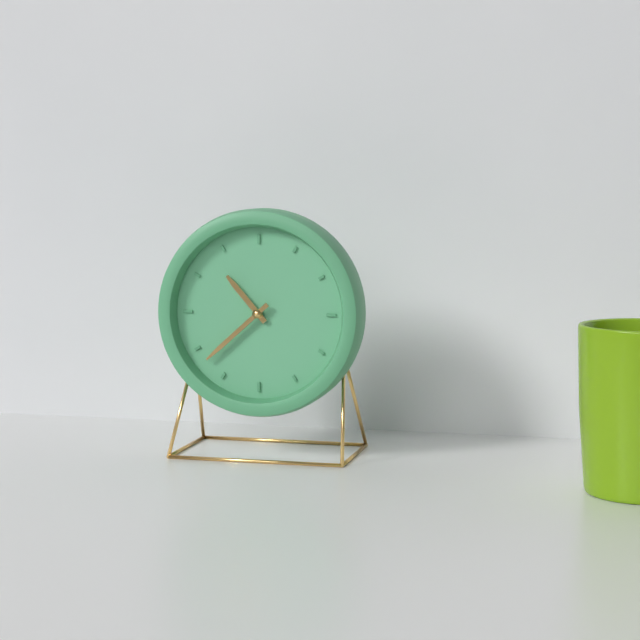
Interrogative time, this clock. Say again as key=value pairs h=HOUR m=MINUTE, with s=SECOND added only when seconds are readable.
h=10 m=38
